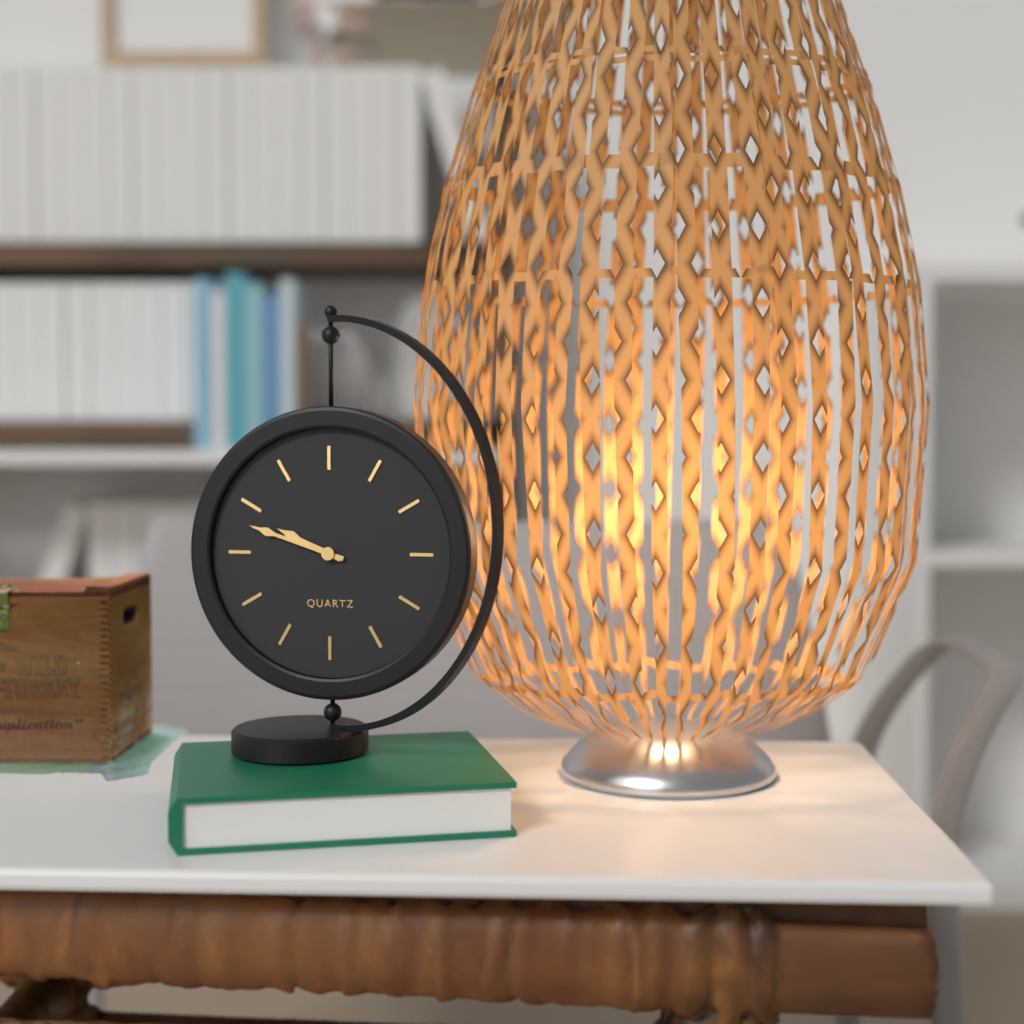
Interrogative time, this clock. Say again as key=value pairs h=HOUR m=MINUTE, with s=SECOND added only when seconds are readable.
h=9 m=48
